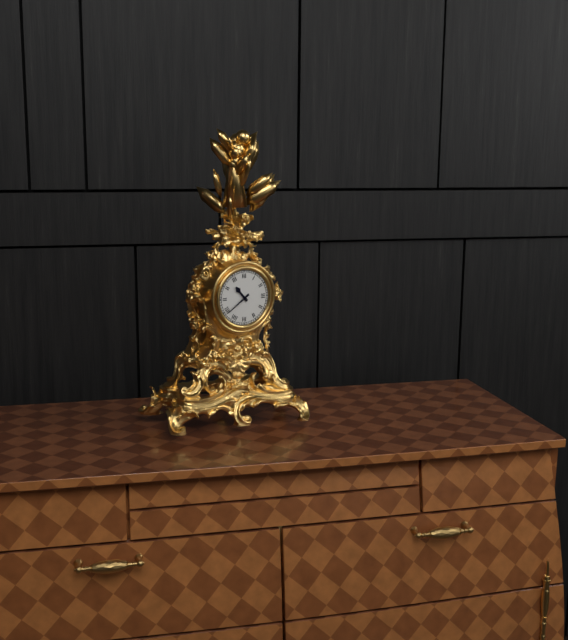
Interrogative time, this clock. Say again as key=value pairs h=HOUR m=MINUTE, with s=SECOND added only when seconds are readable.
h=10 m=39
